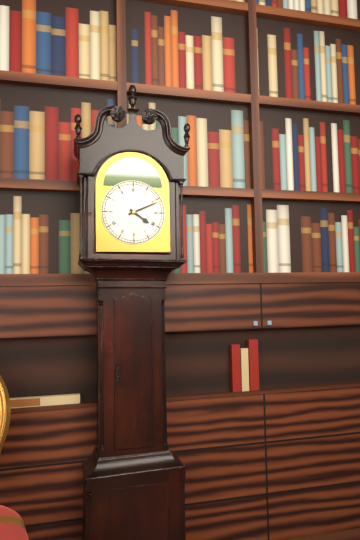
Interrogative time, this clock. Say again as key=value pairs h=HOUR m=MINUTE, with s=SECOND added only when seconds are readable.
h=4 m=11
